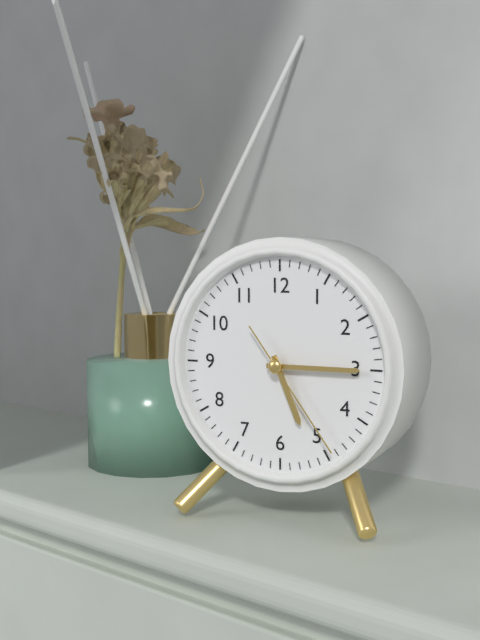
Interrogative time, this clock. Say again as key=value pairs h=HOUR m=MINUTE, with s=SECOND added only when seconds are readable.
h=5 m=15 s=24
